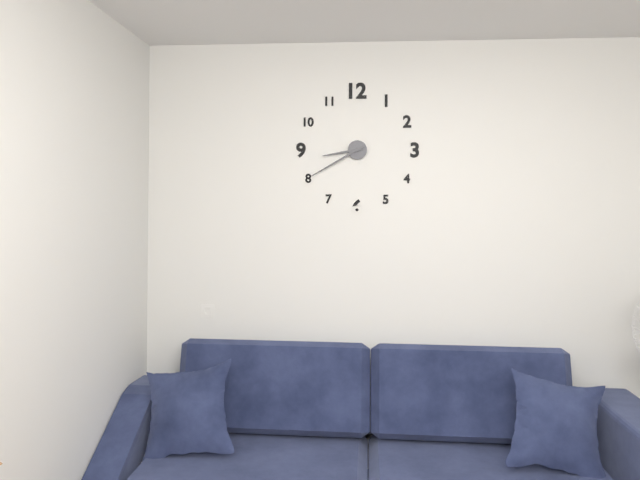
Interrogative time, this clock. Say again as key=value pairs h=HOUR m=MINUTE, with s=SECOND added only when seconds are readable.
h=8 m=40
